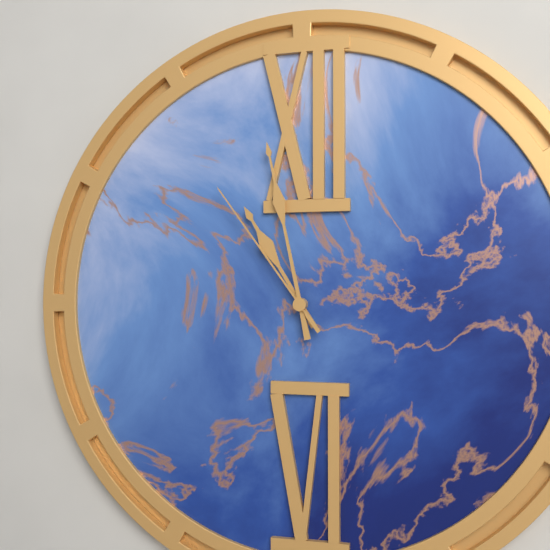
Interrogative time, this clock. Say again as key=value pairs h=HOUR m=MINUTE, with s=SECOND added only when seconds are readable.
h=10 m=58 s=54
